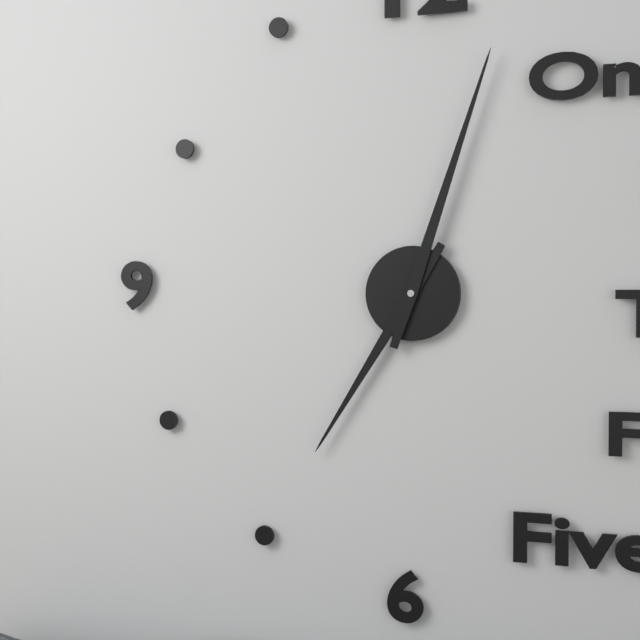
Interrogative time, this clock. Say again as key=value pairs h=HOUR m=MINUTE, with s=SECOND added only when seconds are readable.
h=7 m=3
